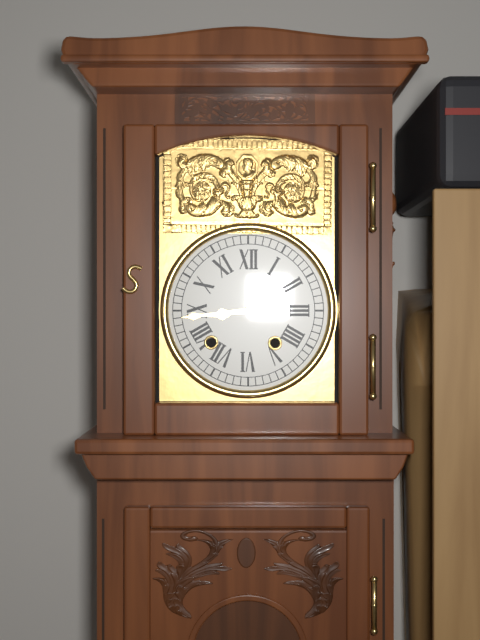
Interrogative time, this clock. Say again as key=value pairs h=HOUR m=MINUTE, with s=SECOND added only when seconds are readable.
h=8 m=44
